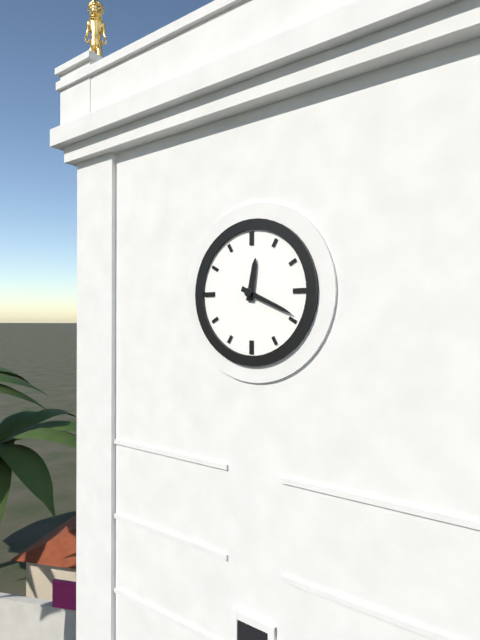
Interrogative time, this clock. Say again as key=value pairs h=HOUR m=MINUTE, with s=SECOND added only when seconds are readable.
h=12 m=19
